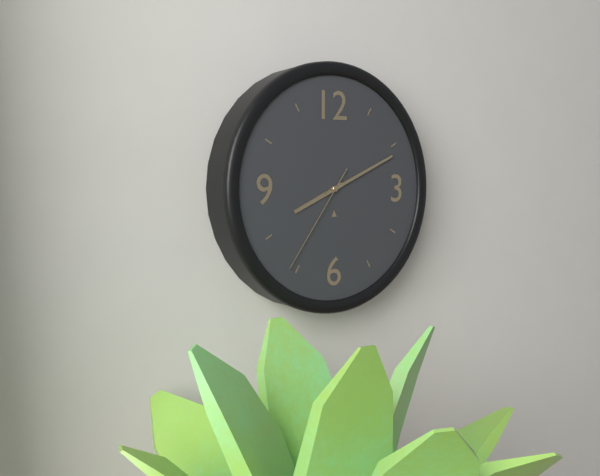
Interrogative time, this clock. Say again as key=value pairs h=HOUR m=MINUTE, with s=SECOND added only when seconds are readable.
h=8 m=11 s=36
